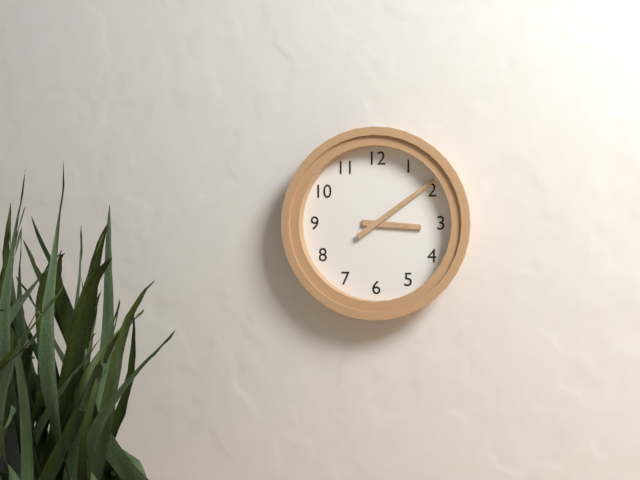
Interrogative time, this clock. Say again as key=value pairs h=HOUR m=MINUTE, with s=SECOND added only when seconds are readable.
h=3 m=9
